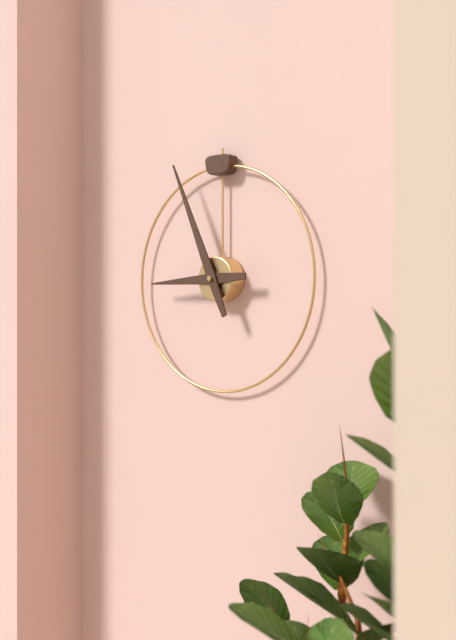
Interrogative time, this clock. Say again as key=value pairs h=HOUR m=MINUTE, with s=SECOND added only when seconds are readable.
h=8 m=56
